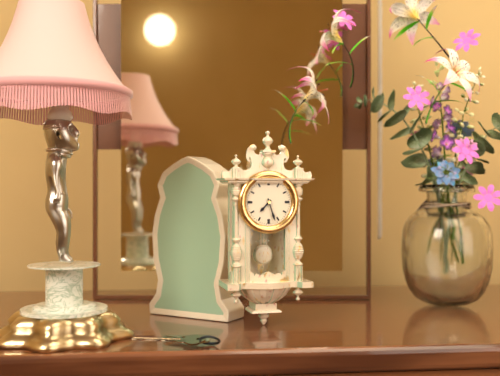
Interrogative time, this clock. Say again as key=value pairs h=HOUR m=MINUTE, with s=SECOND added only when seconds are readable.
h=7 m=27
